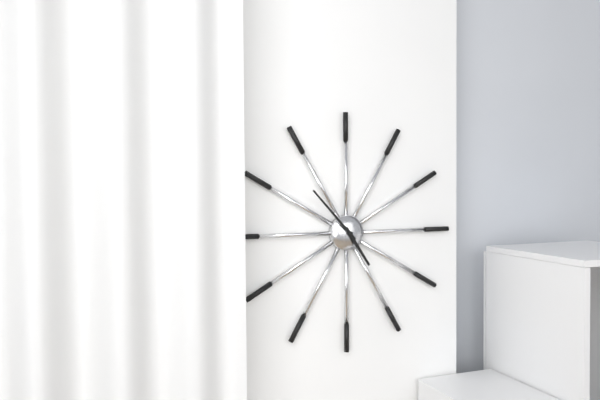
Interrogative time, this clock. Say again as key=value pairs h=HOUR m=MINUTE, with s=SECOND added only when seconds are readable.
h=4 m=53
